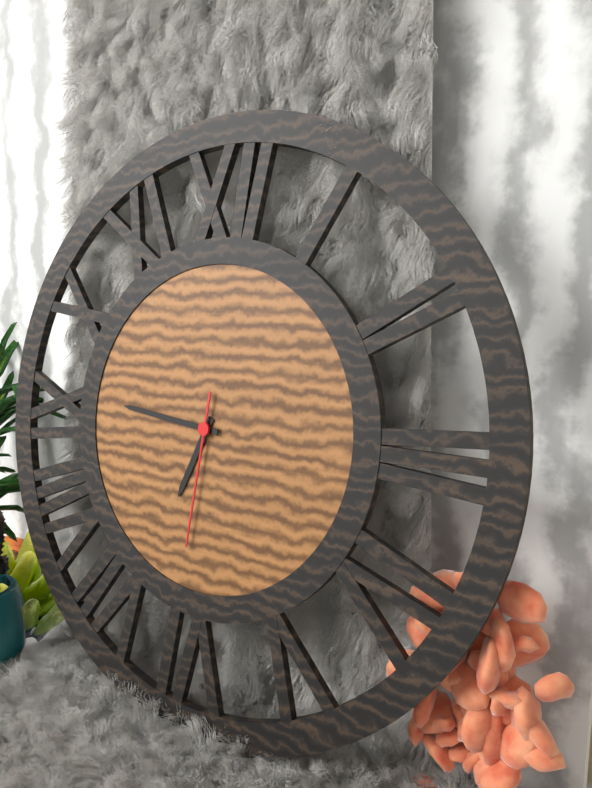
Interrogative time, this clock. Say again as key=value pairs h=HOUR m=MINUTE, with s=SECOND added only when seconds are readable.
h=6 m=46 s=31
